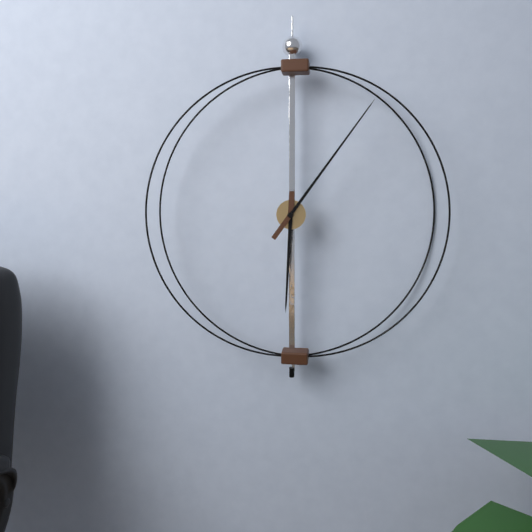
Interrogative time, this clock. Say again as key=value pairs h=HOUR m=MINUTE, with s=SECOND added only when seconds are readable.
h=6 m=6
